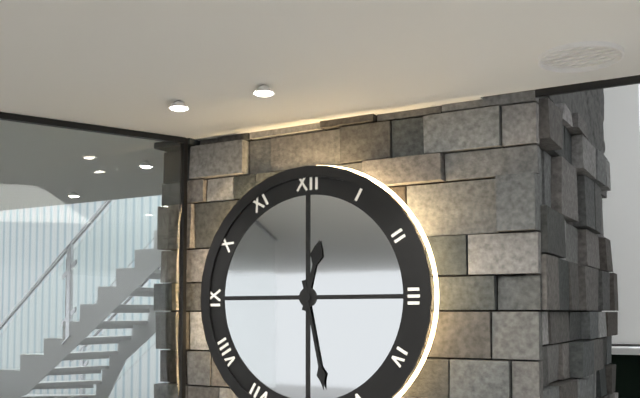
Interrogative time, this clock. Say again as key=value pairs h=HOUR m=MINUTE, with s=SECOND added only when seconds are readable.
h=12 m=28
